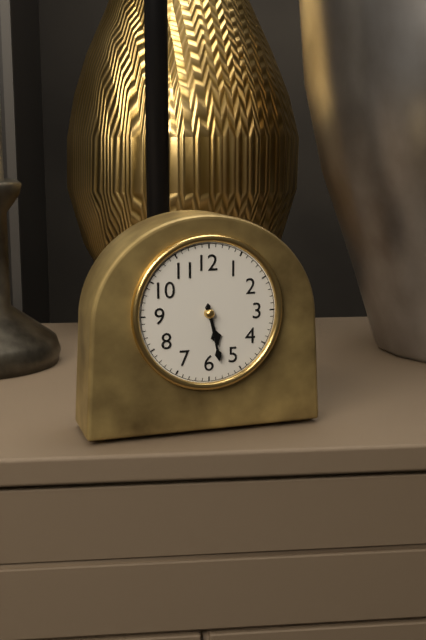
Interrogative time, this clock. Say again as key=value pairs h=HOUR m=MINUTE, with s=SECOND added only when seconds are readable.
h=5 m=28
